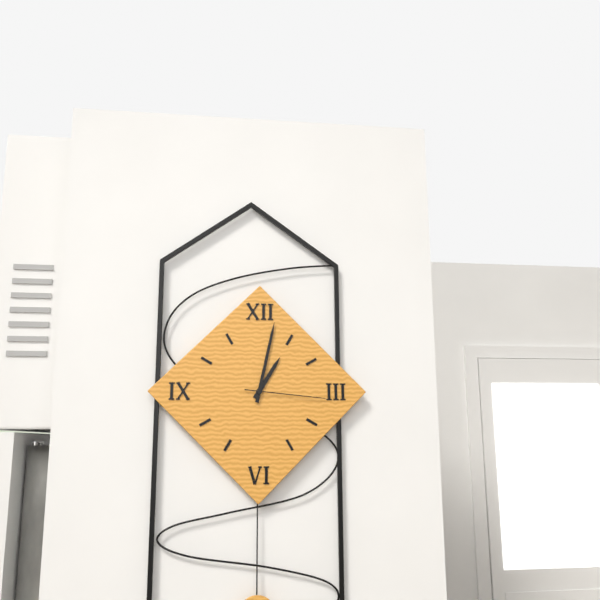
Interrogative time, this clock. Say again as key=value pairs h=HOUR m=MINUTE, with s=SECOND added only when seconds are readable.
h=1 m=2 s=16
